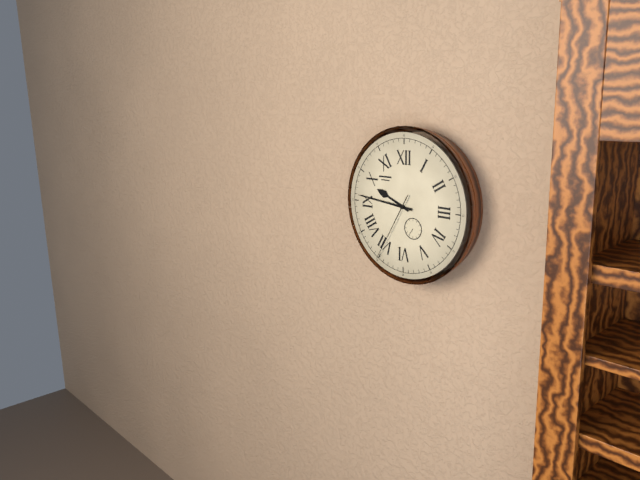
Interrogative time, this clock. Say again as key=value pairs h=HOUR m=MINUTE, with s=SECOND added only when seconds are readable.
h=9 m=46 s=35
